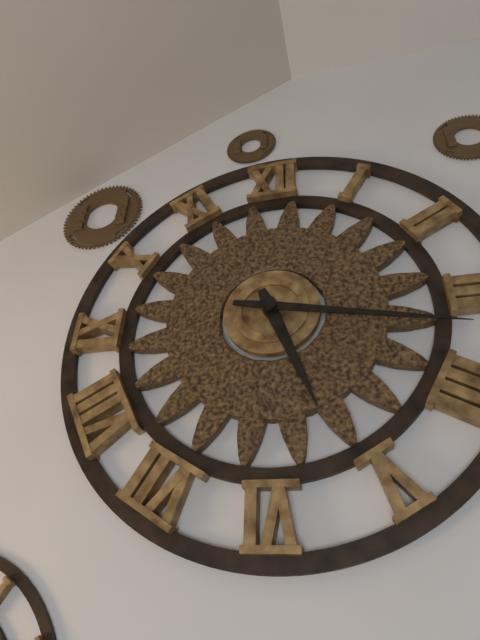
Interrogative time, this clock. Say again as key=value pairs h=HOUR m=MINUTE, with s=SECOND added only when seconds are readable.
h=5 m=17
